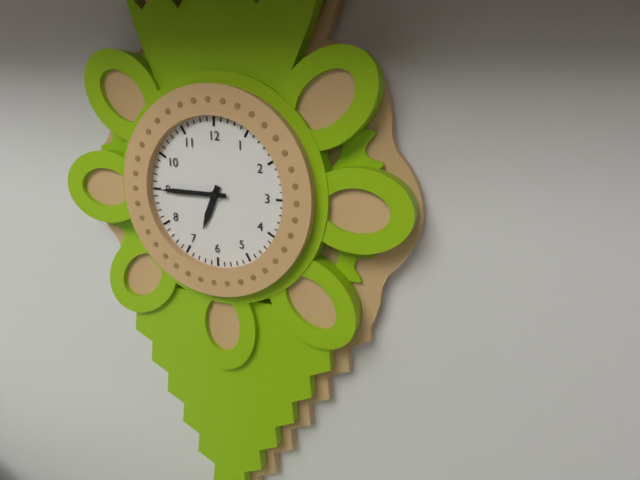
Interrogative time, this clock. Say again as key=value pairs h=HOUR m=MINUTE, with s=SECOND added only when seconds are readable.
h=6 m=45
